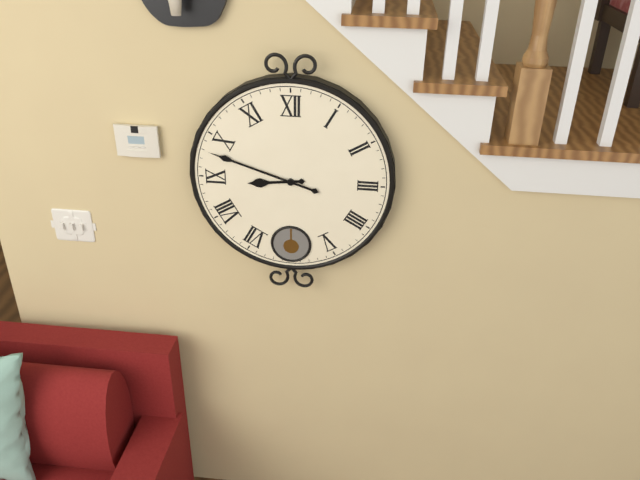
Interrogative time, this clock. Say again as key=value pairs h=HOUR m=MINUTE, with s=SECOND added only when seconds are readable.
h=8 m=48
